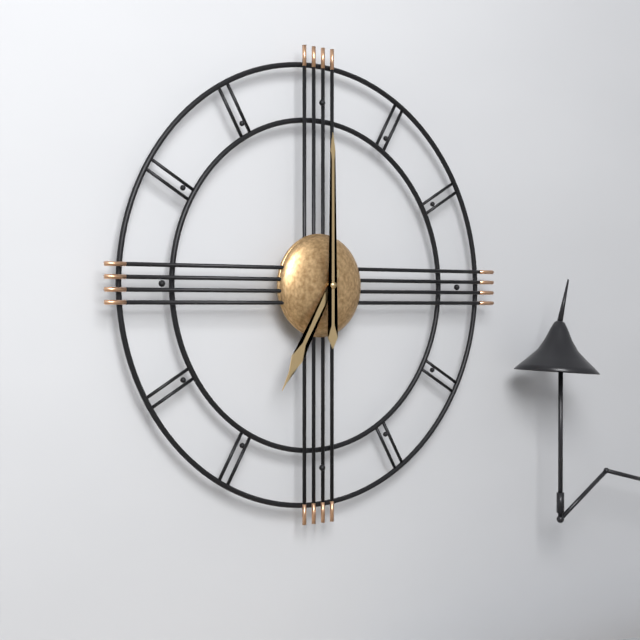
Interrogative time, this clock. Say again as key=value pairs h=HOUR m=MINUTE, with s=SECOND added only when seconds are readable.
h=7 m=0
